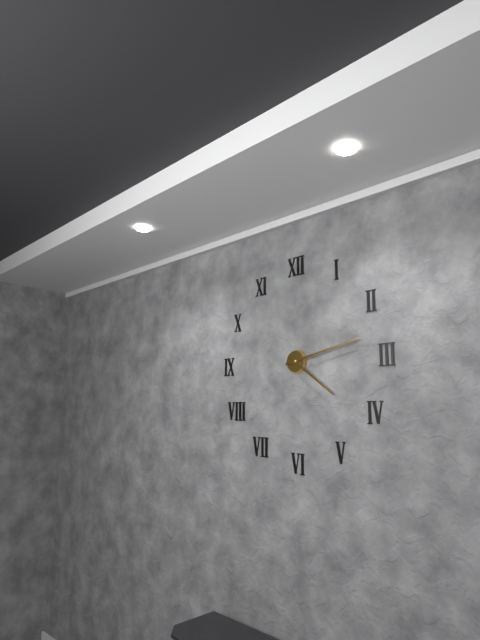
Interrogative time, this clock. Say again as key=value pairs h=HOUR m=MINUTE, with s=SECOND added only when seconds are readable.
h=4 m=13
